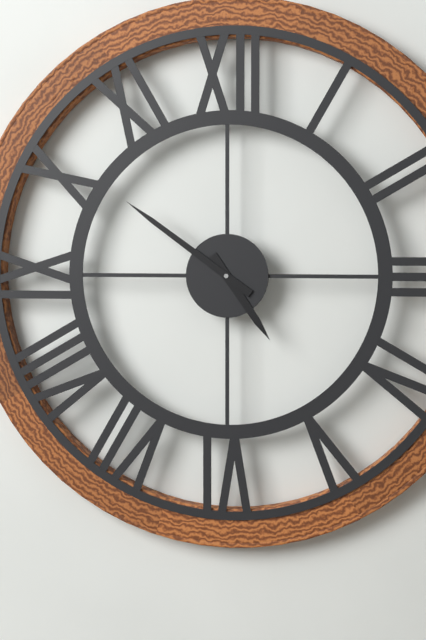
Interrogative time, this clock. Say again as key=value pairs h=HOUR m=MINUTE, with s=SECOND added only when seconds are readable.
h=4 m=51
